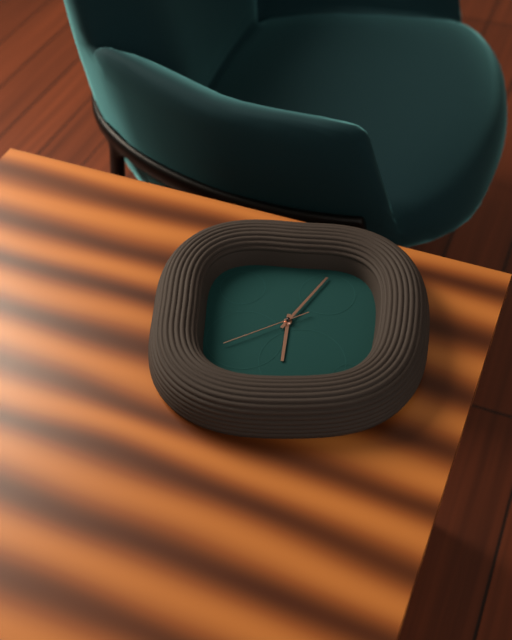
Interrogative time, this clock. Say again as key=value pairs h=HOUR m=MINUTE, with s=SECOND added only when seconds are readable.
h=6 m=5 s=40
